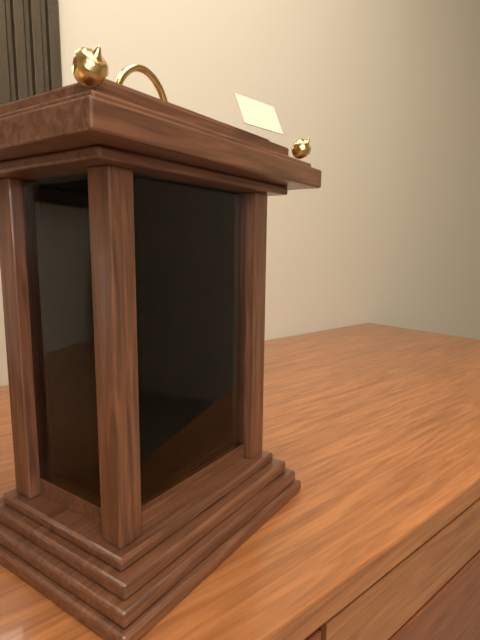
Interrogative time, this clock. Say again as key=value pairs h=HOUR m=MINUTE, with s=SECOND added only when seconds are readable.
h=5 m=9
